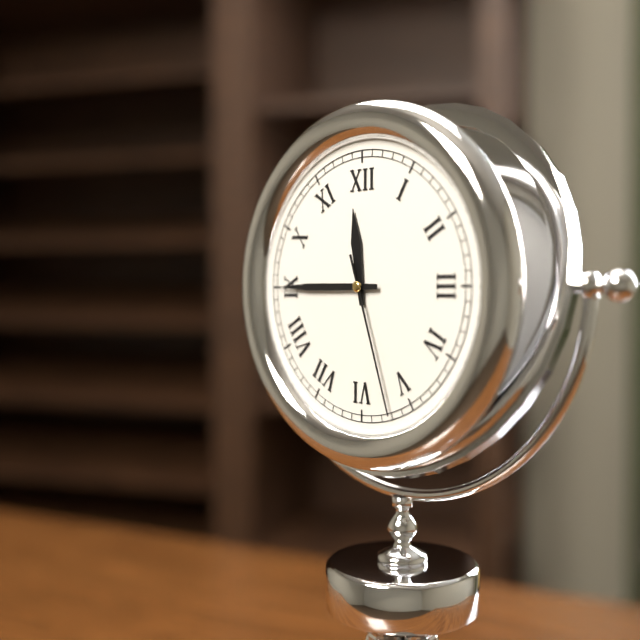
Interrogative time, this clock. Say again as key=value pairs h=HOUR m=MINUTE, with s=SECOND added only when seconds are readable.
h=11 m=45 s=27
